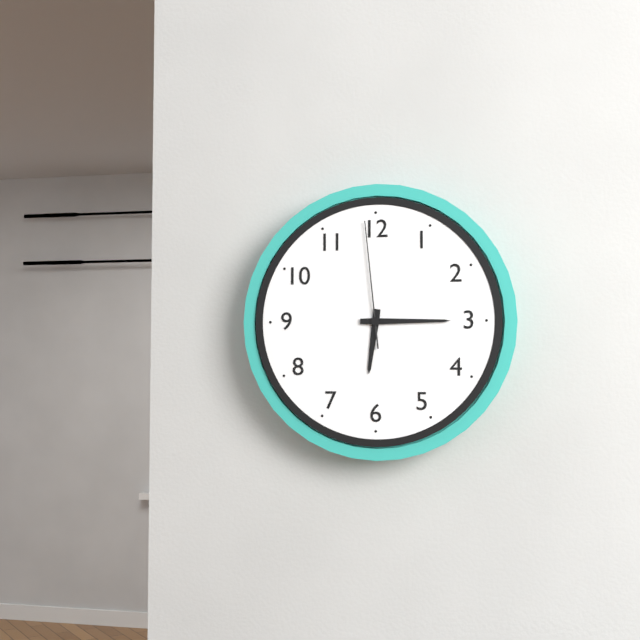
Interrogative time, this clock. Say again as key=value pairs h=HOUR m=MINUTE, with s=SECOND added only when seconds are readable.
h=6 m=15 s=59
